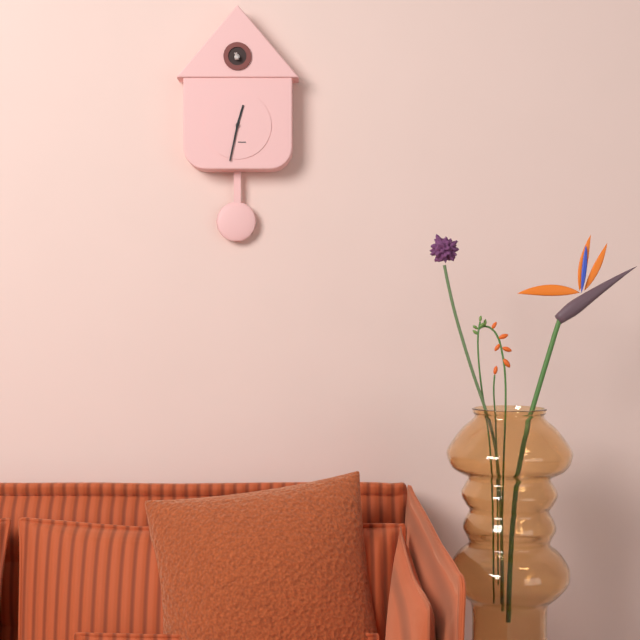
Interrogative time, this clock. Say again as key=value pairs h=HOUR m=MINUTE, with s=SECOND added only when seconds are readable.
h=12 m=32
